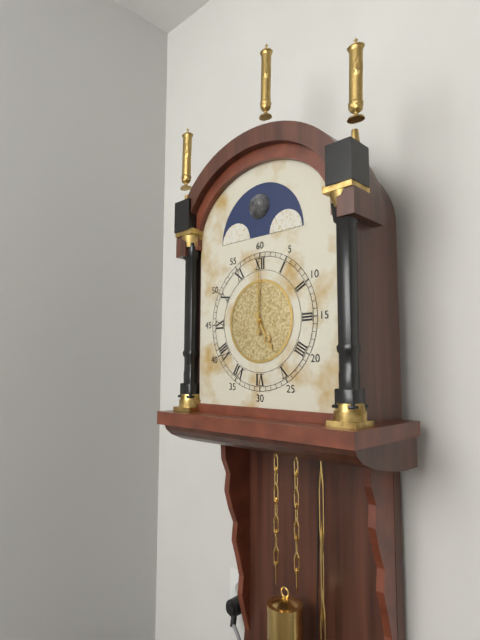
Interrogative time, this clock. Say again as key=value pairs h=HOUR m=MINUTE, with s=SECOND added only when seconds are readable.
h=5 m=0
